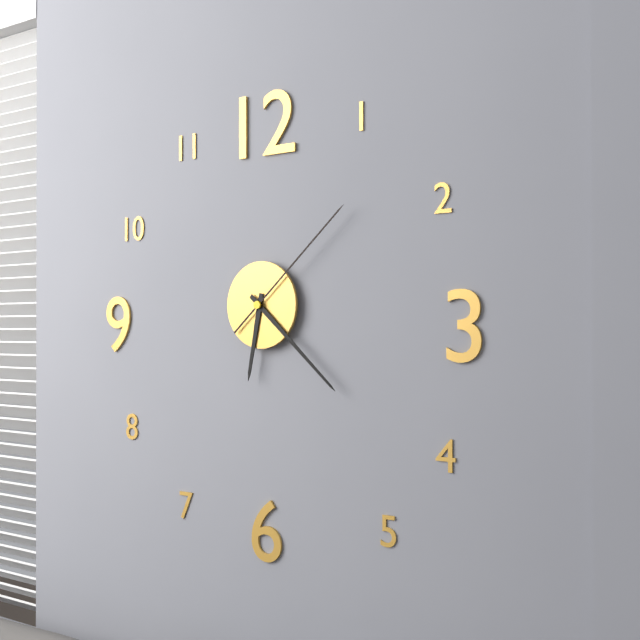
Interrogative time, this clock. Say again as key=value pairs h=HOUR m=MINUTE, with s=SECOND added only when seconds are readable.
h=6 m=22 s=8
